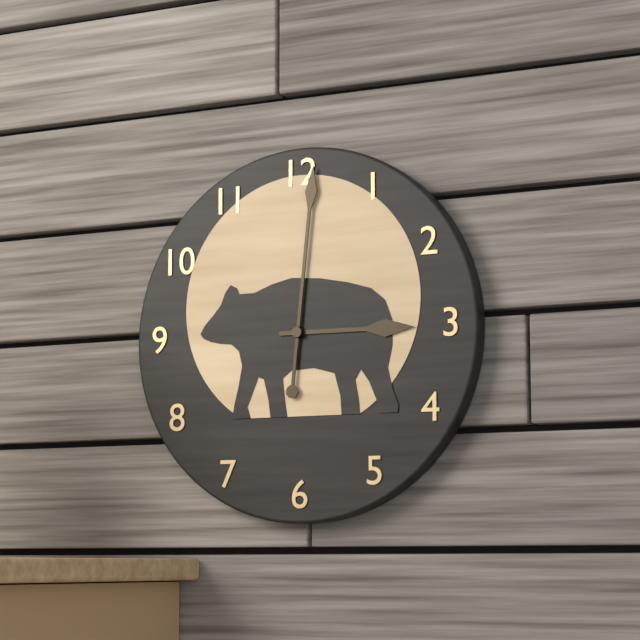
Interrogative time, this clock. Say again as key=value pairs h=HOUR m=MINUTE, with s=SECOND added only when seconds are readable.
h=3 m=1
